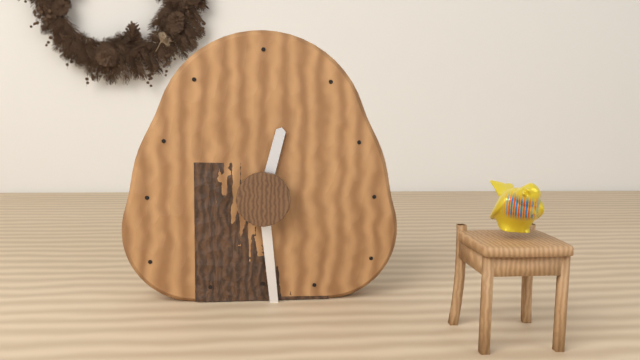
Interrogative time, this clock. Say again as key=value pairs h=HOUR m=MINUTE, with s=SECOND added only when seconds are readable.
h=12 m=29
